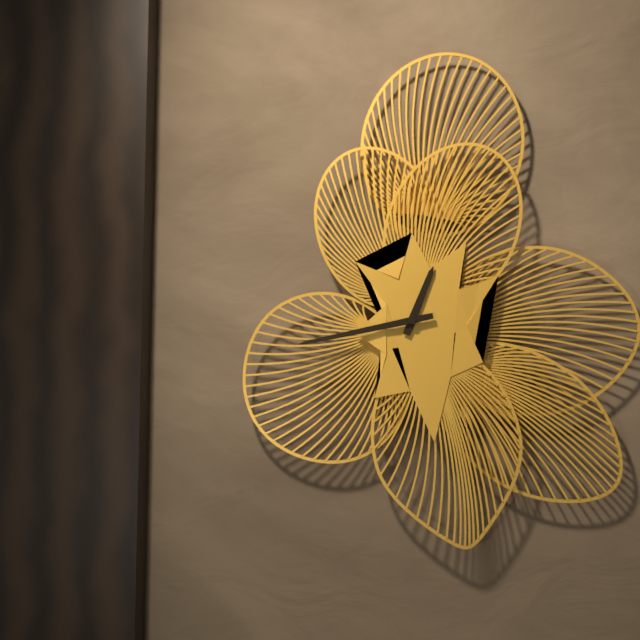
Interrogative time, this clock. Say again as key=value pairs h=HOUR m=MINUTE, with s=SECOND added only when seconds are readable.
h=12 m=43
